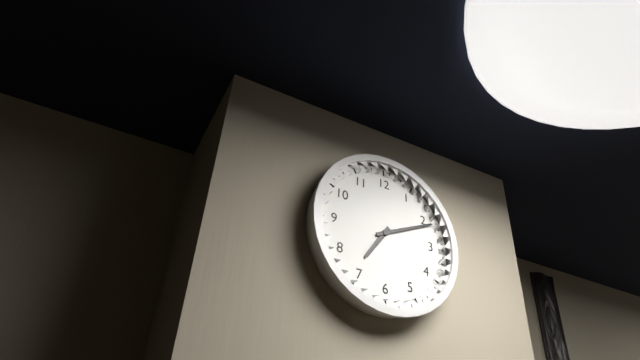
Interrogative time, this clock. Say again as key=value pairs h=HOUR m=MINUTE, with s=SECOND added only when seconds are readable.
h=7 m=11
